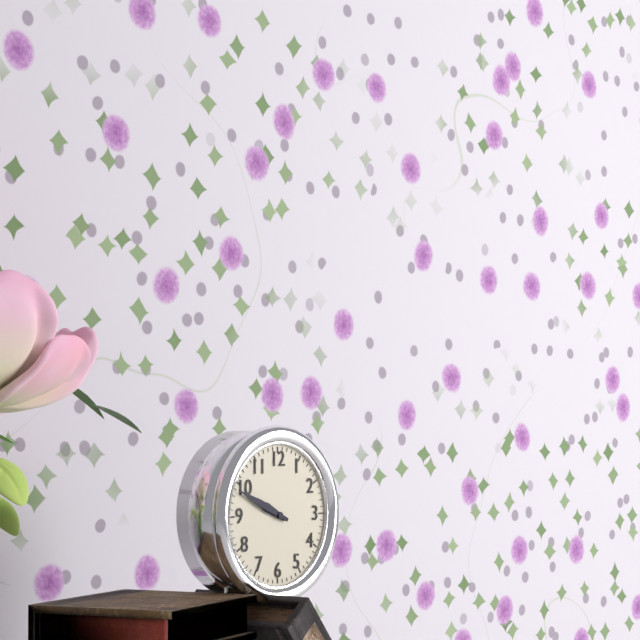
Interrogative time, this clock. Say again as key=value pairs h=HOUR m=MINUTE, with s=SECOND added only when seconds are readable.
h=9 m=49
